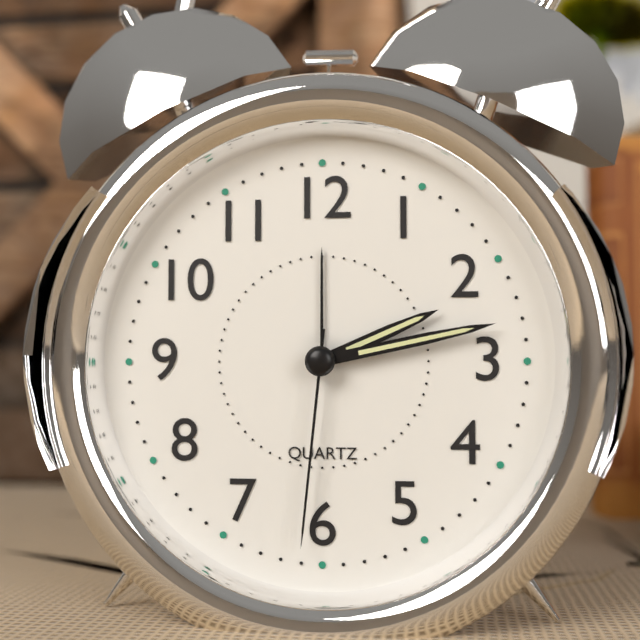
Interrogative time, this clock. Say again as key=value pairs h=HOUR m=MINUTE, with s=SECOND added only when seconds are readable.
h=2 m=13 s=31
